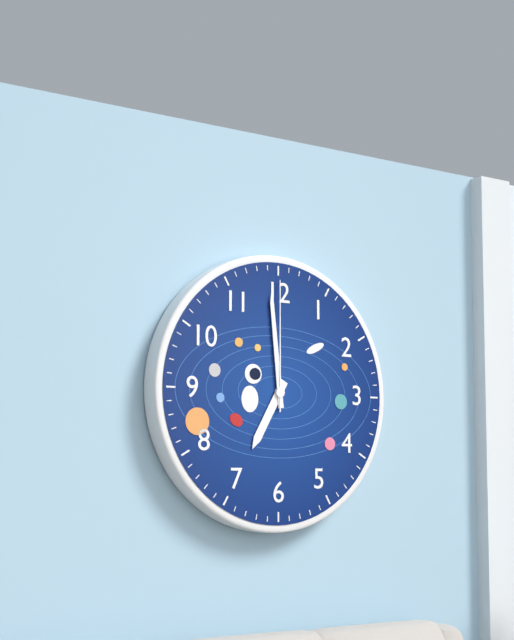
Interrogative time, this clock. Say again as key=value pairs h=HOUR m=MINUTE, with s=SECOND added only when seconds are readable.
h=6 m=59 s=0
